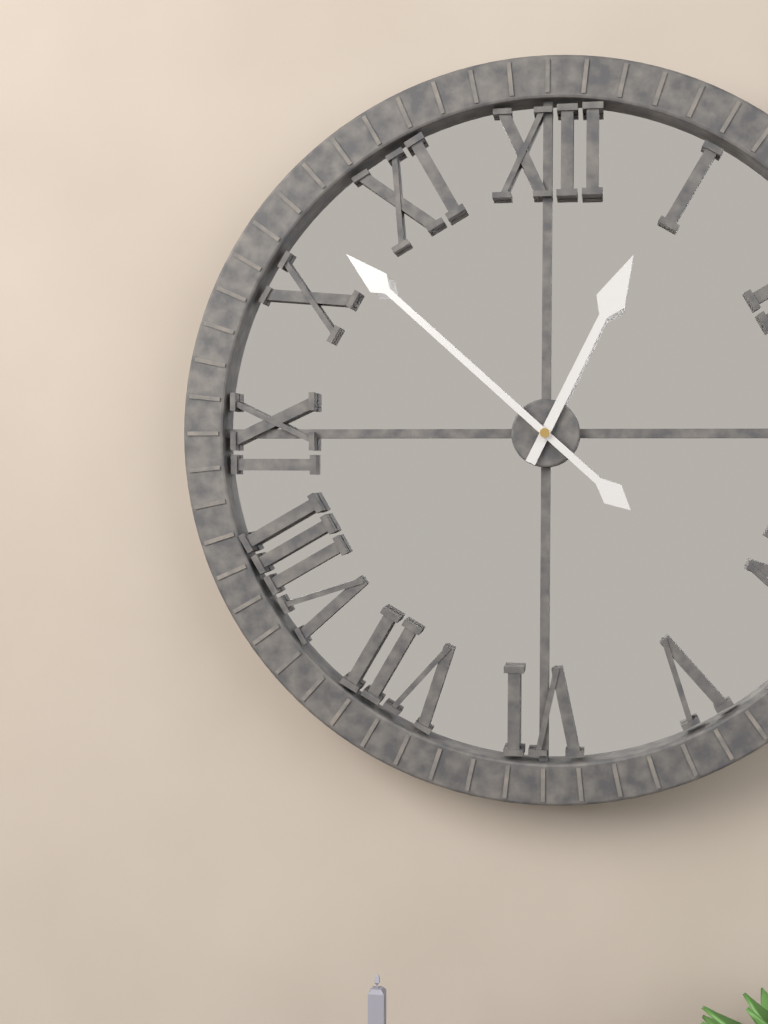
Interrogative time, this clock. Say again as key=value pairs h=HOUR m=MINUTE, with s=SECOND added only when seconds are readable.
h=12 m=52
